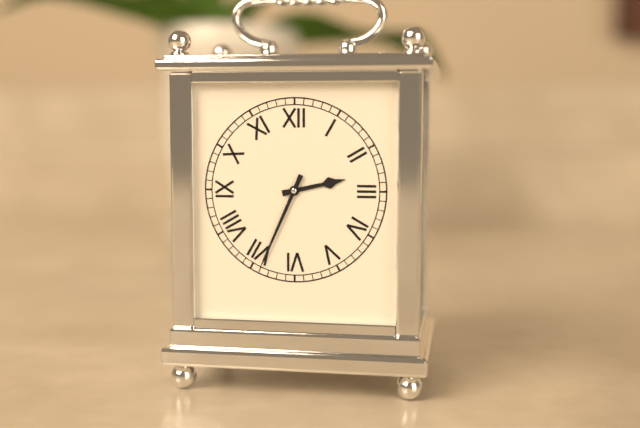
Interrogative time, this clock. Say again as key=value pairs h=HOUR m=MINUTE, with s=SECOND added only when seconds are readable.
h=2 m=34
